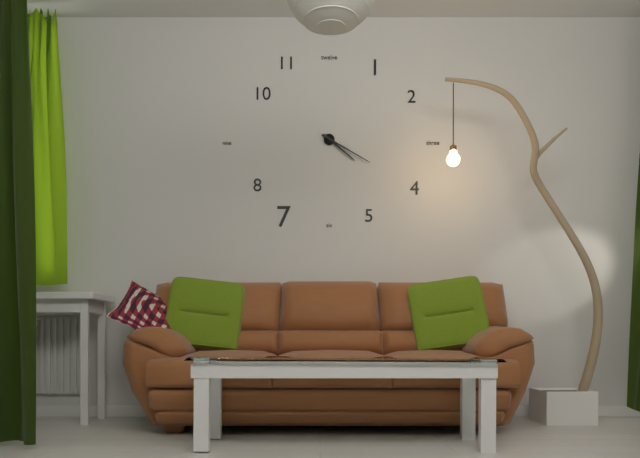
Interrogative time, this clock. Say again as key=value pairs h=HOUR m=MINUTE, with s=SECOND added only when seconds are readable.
h=4 m=20
